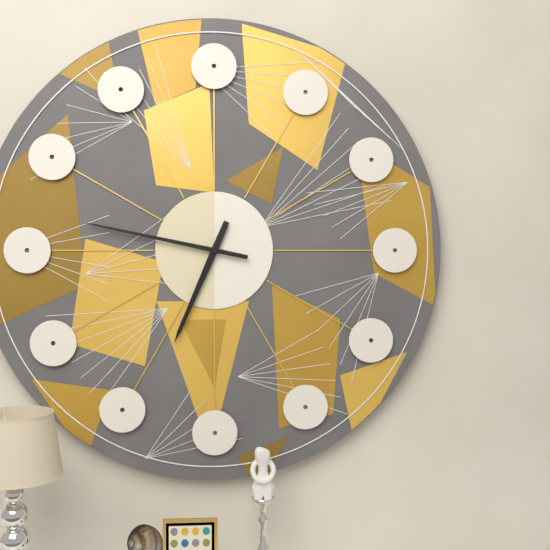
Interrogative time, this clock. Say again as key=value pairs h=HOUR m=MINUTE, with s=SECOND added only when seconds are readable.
h=6 m=47
